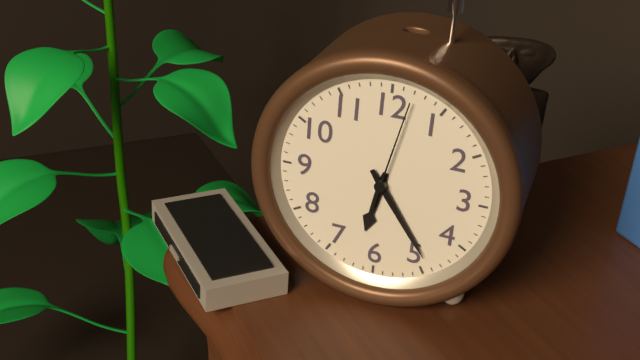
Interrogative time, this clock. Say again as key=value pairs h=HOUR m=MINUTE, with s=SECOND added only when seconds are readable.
h=6 m=24 s=2
